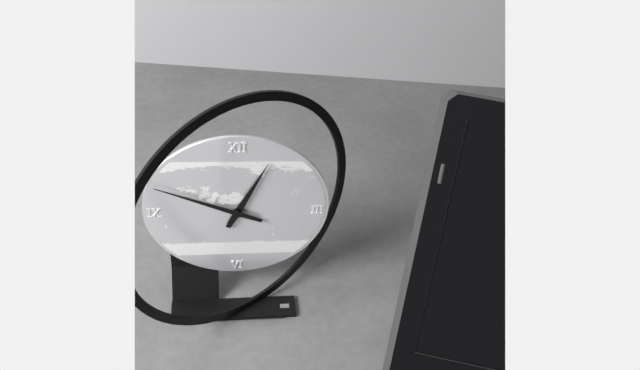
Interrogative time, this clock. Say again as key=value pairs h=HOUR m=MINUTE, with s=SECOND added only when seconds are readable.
h=12 m=49
